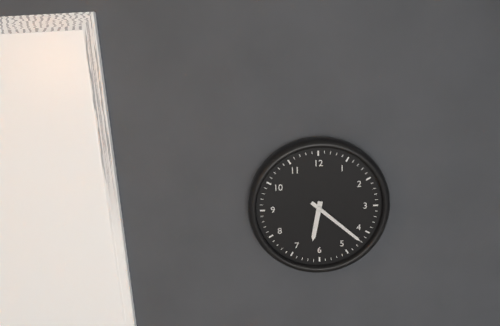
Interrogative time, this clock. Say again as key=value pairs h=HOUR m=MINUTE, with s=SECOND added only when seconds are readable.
h=6 m=22
